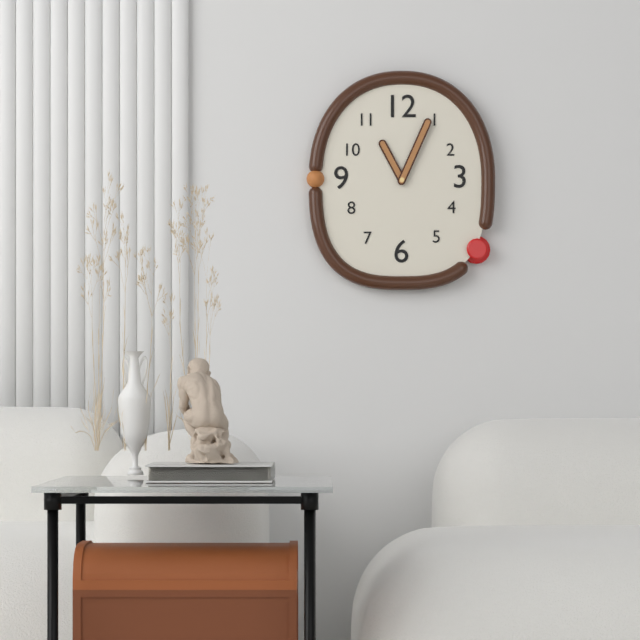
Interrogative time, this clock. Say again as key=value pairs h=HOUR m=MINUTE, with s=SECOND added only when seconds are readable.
h=11 m=4
